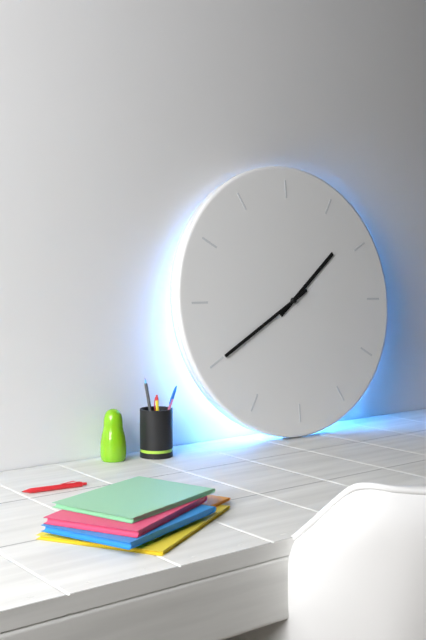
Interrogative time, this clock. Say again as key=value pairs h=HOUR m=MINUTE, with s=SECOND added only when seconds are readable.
h=1 m=40
